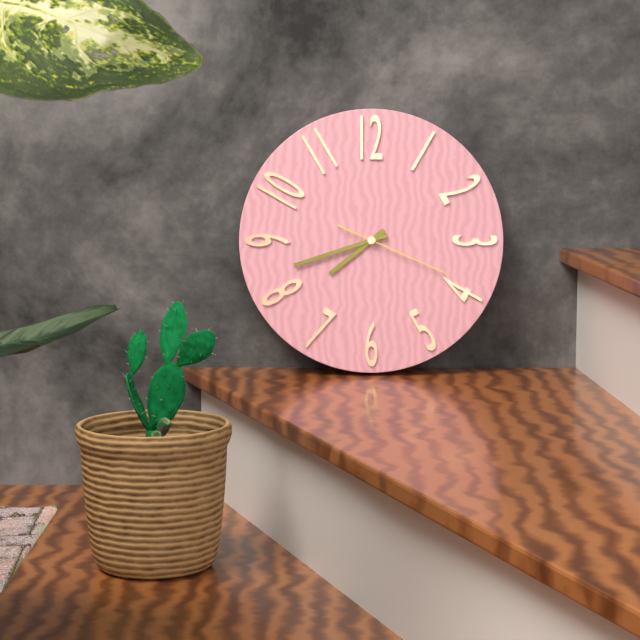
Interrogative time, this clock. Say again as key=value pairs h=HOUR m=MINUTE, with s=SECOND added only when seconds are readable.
h=7 m=42 s=19
